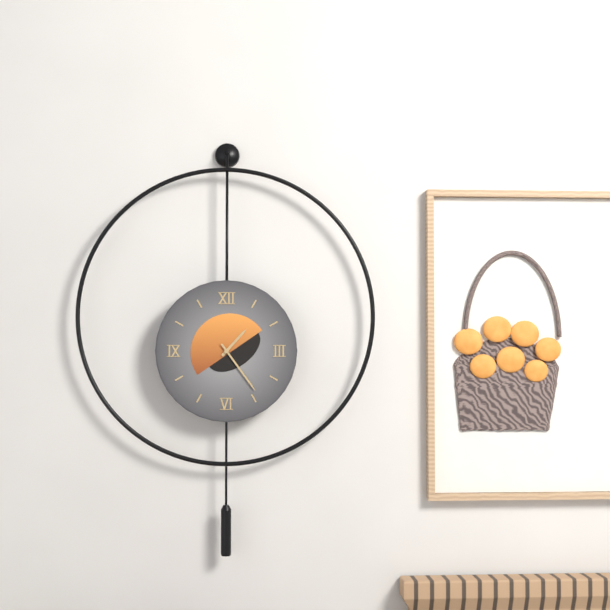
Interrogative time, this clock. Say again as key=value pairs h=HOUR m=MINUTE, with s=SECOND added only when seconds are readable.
h=1 m=24
